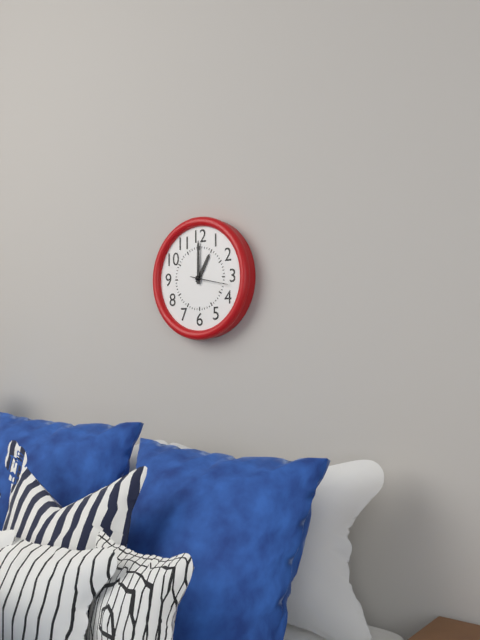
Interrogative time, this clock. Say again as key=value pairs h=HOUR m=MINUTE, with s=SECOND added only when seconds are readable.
h=1 m=0
